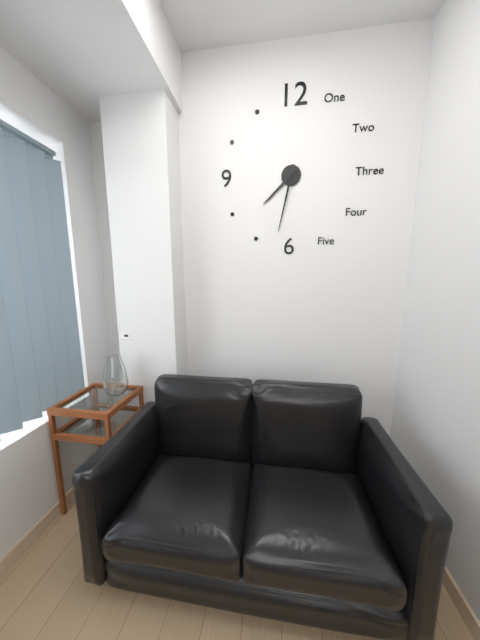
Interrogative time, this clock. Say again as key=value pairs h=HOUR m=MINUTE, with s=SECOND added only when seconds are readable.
h=7 m=32
